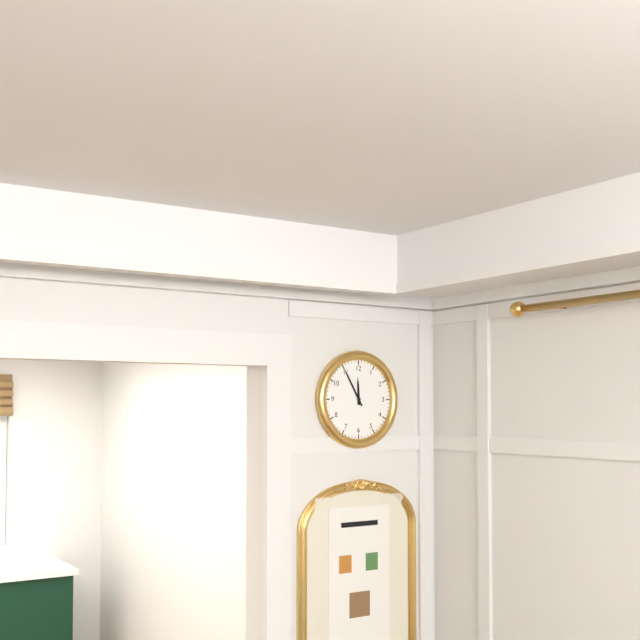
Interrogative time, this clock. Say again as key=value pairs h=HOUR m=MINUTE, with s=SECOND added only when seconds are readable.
h=11 m=55
